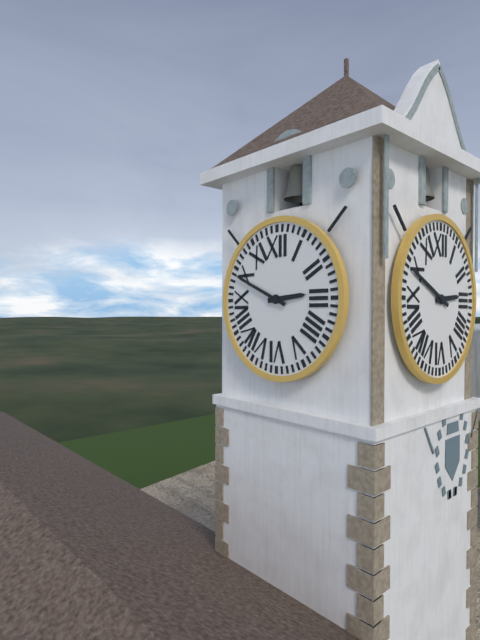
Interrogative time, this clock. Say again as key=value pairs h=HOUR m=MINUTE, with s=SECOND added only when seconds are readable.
h=2 m=49
